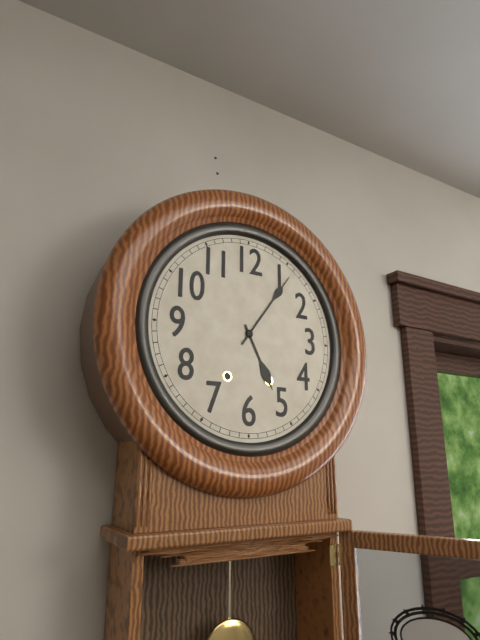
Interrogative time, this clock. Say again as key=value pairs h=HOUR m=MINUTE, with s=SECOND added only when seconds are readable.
h=5 m=6
